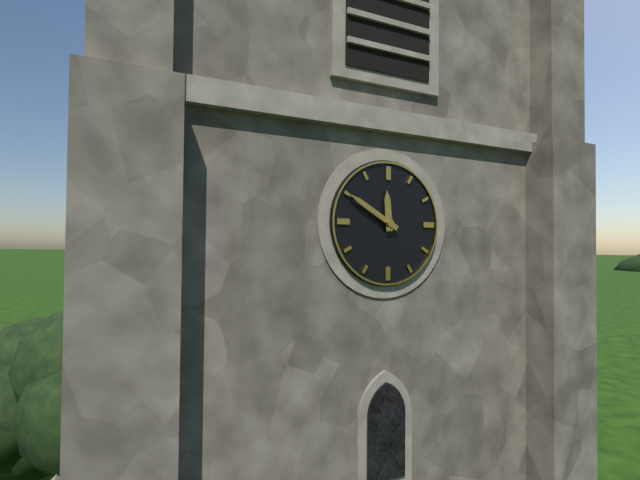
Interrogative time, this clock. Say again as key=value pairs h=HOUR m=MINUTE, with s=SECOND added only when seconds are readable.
h=11 m=50
